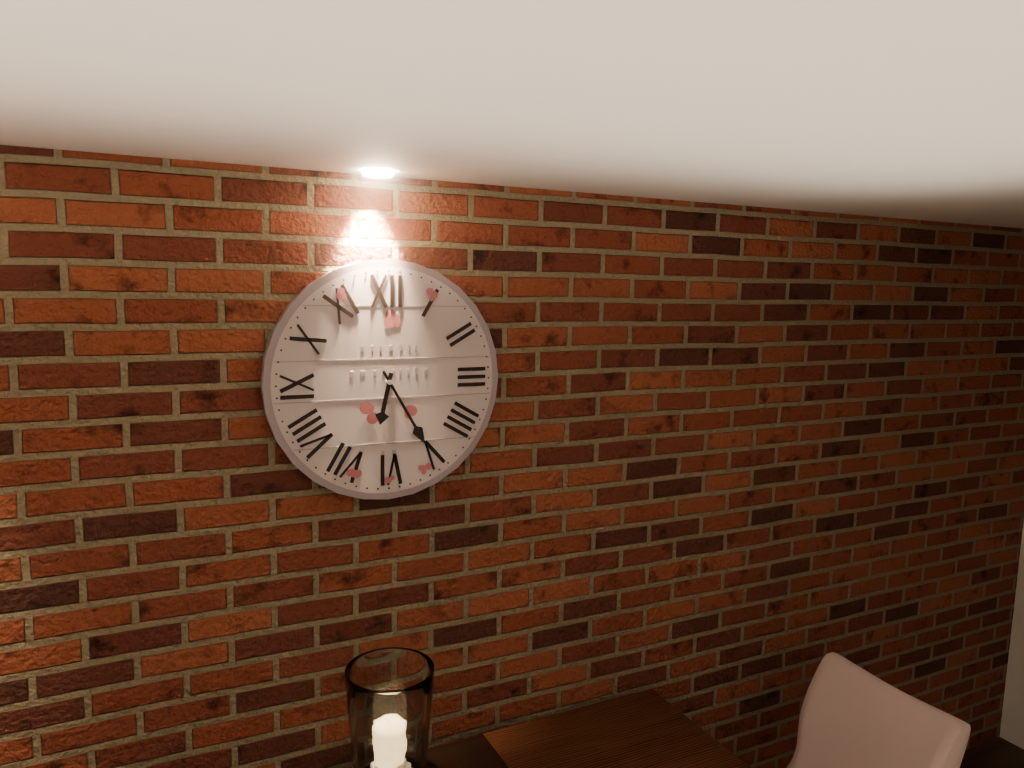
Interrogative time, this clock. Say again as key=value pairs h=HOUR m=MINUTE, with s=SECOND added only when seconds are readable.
h=6 m=25
